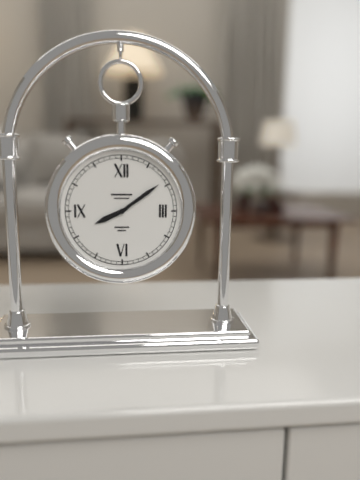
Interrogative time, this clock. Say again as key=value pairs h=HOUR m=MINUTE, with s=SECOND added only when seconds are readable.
h=8 m=9
